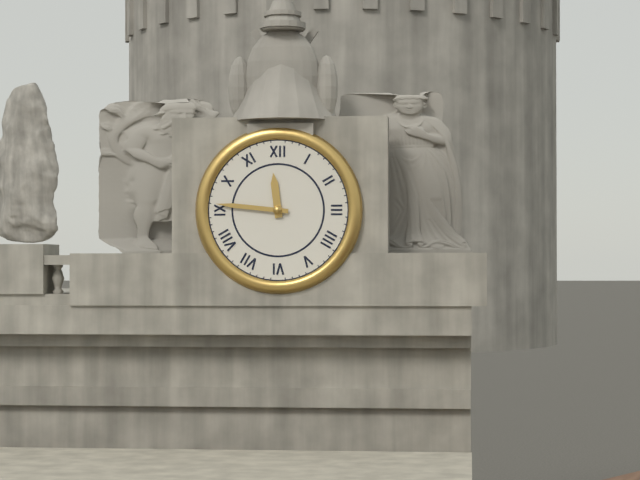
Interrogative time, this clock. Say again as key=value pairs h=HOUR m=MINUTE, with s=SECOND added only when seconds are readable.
h=11 m=46
